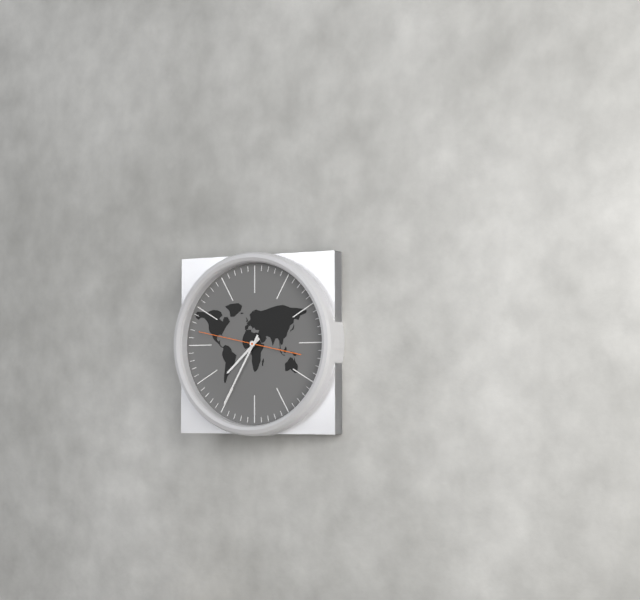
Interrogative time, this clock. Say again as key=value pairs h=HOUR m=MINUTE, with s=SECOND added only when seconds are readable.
h=7 m=35 s=47
